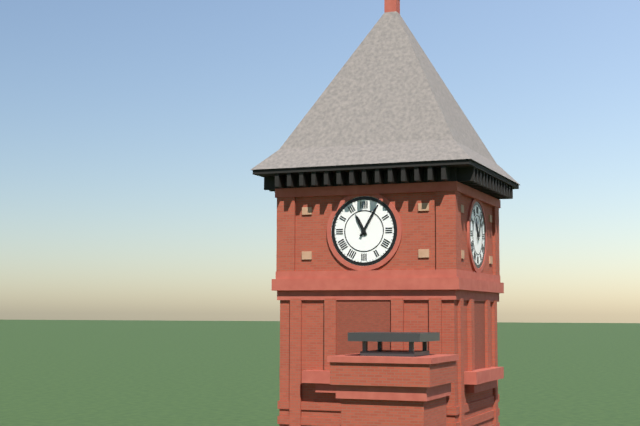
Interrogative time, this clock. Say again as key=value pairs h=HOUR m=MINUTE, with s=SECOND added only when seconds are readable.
h=11 m=5
